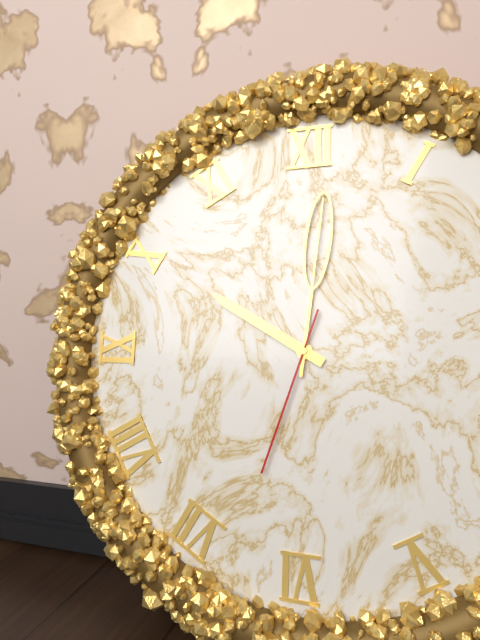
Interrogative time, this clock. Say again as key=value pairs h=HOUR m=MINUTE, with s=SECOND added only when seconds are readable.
h=10 m=1 s=33
